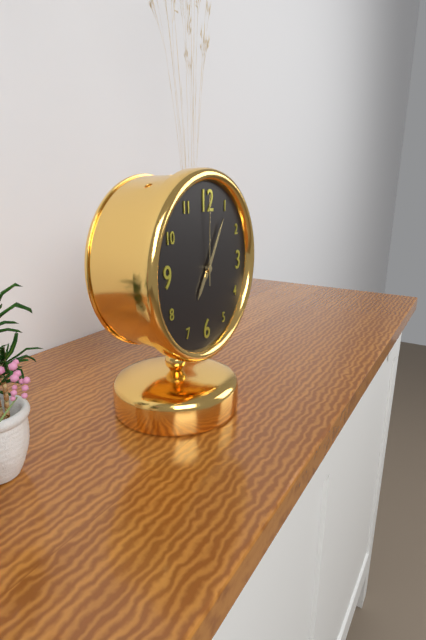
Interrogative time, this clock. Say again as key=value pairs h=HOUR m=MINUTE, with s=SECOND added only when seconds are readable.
h=7 m=5 s=0
